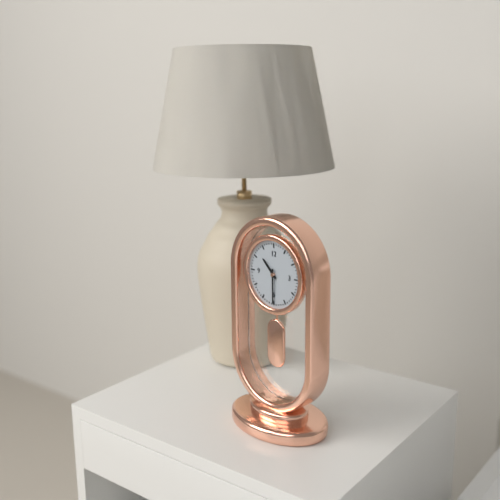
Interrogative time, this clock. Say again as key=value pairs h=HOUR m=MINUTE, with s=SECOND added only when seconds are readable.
h=10 m=30
